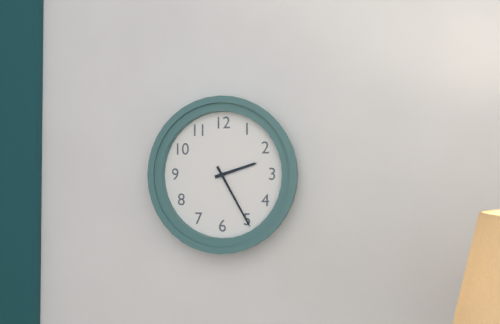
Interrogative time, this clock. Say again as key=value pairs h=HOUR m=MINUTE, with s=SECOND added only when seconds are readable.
h=2 m=25
